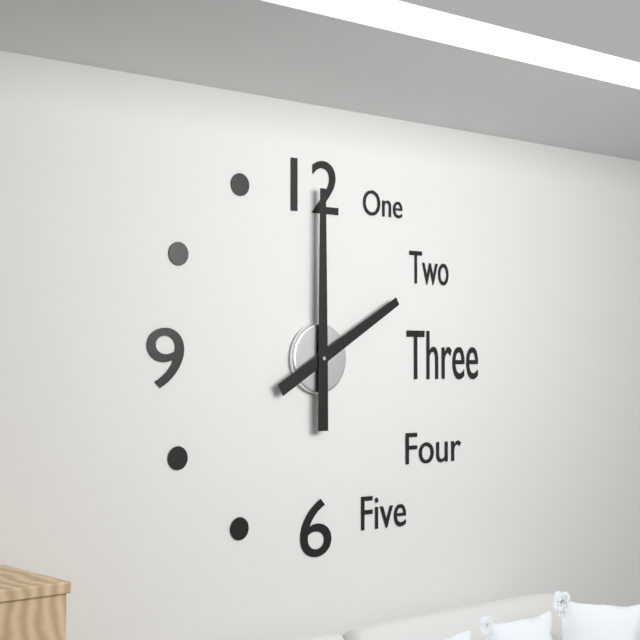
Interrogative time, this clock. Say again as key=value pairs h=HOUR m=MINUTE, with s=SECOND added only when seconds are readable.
h=2 m=0
